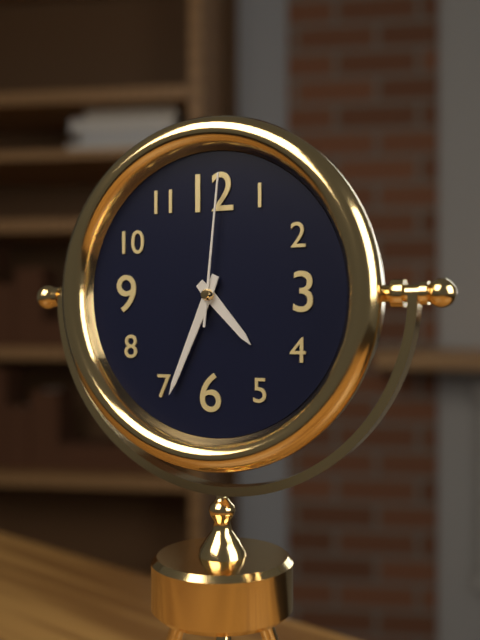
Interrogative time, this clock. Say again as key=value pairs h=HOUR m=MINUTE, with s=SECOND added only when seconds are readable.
h=4 m=34 s=1
